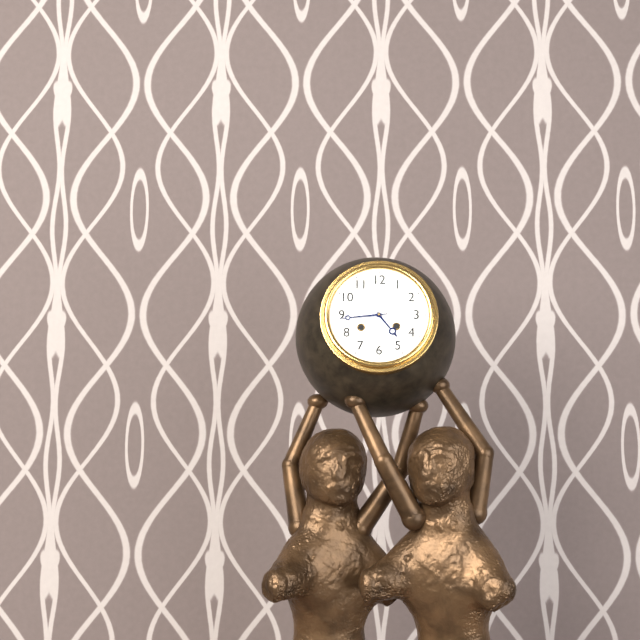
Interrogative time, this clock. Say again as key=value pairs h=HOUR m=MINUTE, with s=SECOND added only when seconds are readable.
h=4 m=44
